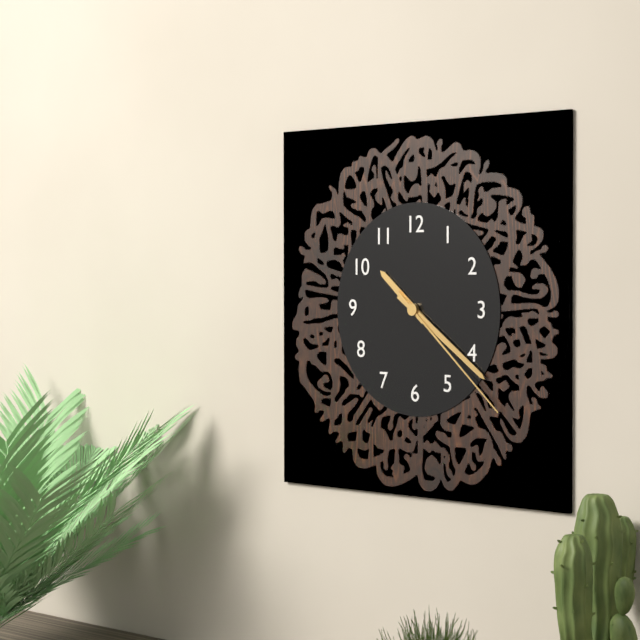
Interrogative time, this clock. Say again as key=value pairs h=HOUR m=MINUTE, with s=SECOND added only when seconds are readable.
h=10 m=21 s=22
